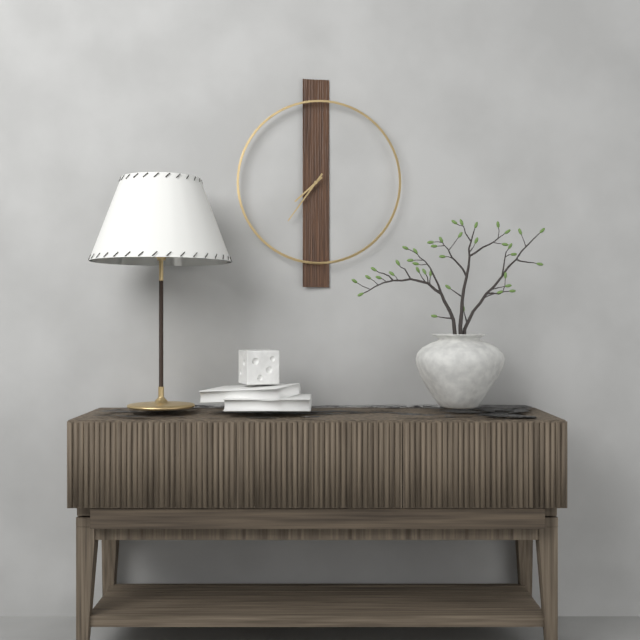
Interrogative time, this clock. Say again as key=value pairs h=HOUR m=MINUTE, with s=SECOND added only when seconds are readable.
h=7 m=36
